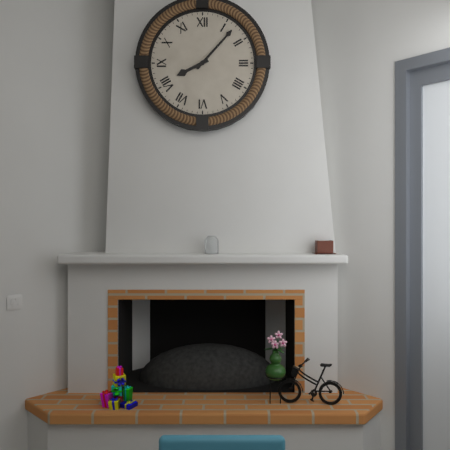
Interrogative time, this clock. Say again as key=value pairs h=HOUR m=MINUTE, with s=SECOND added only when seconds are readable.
h=8 m=7
